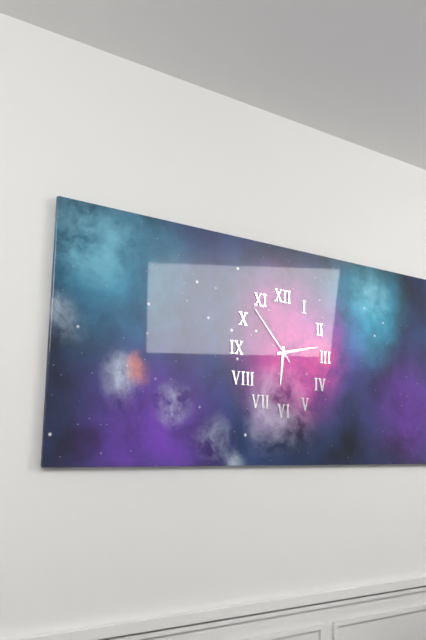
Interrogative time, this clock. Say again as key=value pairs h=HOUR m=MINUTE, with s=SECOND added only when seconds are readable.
h=6 m=13 s=53
